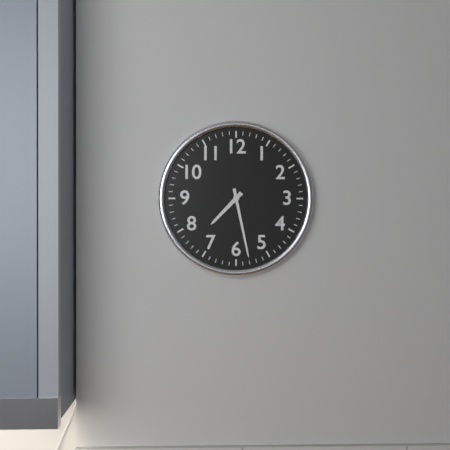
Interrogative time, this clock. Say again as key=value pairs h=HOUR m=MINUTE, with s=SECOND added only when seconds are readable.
h=7 m=28
